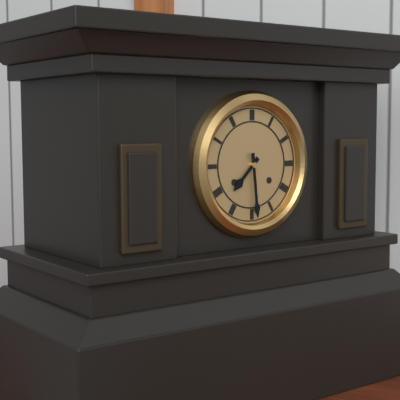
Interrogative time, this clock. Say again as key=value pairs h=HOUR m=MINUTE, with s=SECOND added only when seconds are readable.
h=7 m=29
